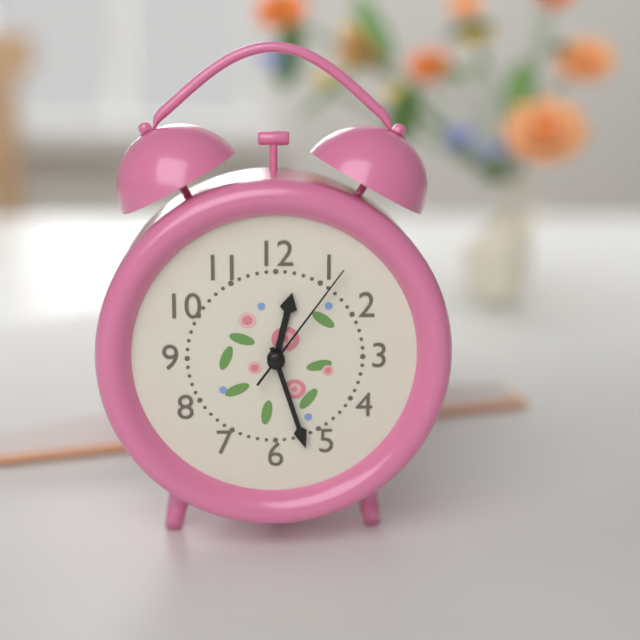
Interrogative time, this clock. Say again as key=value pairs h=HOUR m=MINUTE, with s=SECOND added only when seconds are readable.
h=12 m=27 s=6
